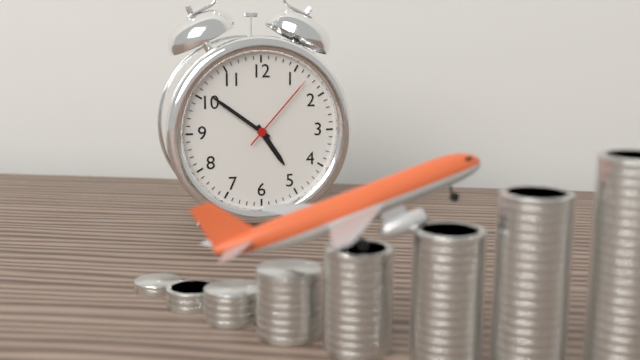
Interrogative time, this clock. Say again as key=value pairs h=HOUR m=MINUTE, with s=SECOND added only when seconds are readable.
h=4 m=51 s=7
